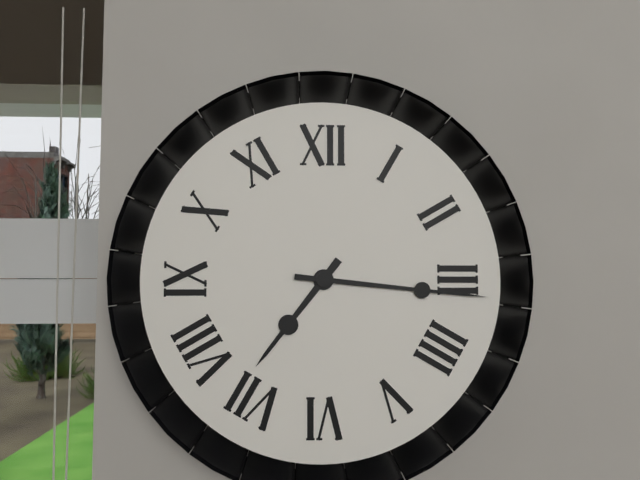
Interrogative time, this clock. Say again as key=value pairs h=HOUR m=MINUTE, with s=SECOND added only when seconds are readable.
h=7 m=16
